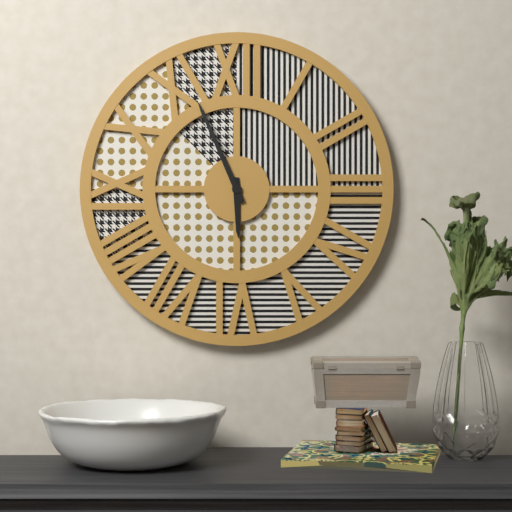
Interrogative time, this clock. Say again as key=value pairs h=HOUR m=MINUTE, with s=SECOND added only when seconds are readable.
h=5 m=56
